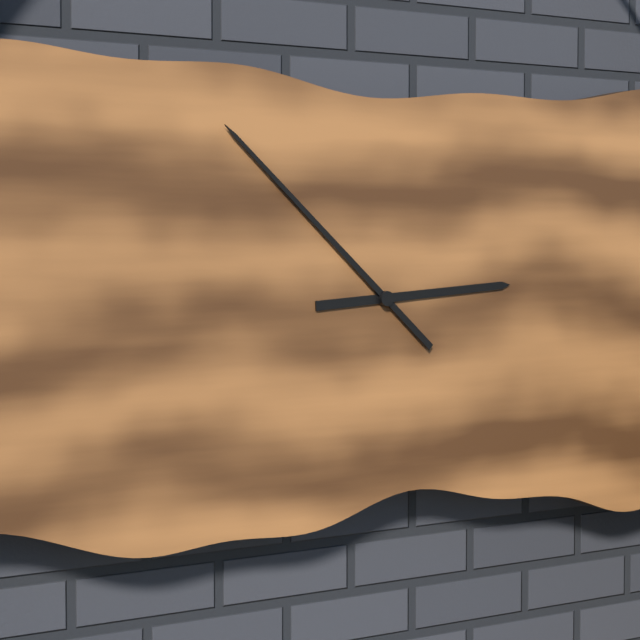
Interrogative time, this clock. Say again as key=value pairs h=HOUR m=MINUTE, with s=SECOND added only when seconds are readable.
h=2 m=52
